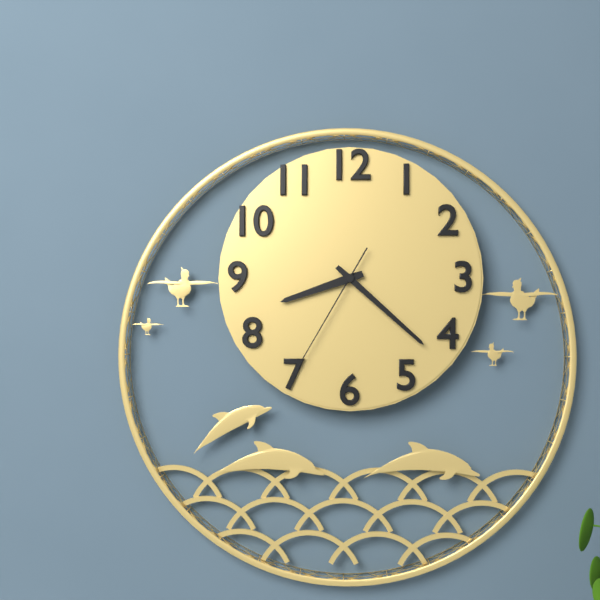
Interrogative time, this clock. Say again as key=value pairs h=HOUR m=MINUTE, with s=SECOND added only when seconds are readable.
h=8 m=22 s=35
